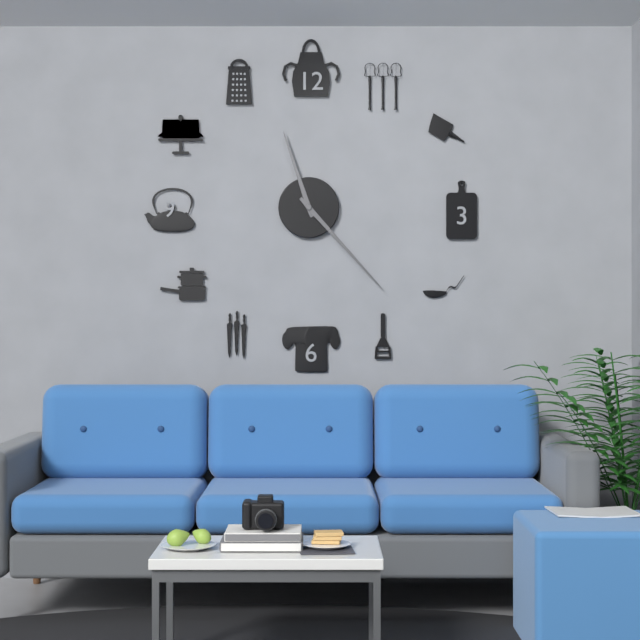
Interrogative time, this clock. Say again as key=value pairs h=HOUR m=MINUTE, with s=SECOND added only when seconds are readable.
h=11 m=23
